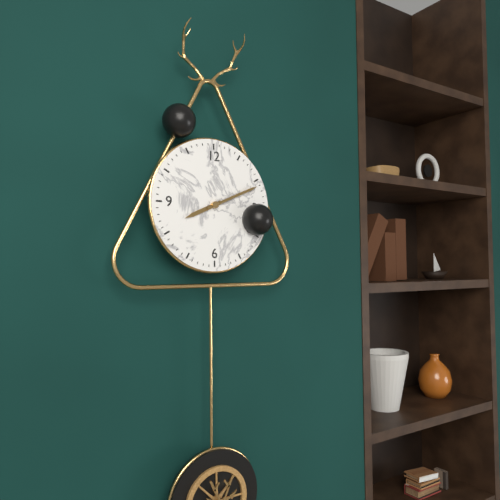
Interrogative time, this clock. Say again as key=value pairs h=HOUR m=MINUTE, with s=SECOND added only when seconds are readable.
h=8 m=11
